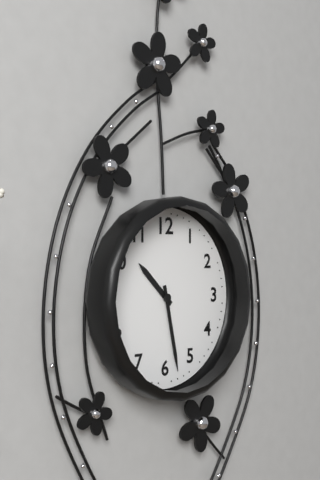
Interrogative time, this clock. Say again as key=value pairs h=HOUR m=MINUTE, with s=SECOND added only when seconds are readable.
h=10 m=28
